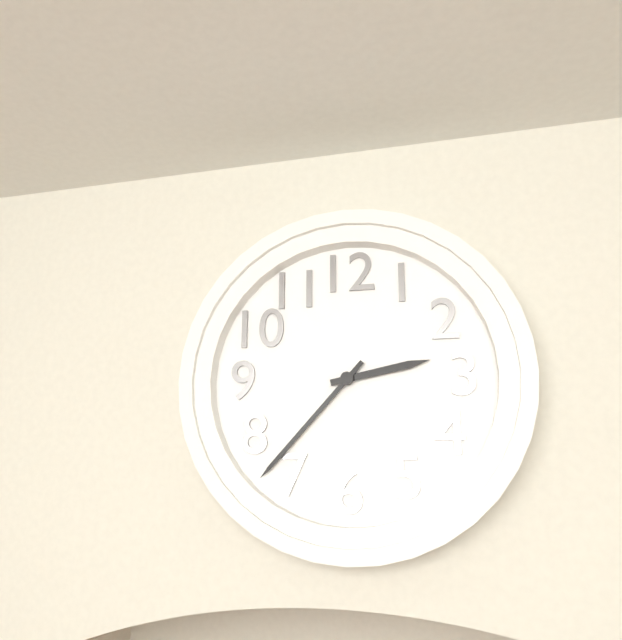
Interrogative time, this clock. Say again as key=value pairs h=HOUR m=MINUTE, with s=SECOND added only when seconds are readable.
h=2 m=37
